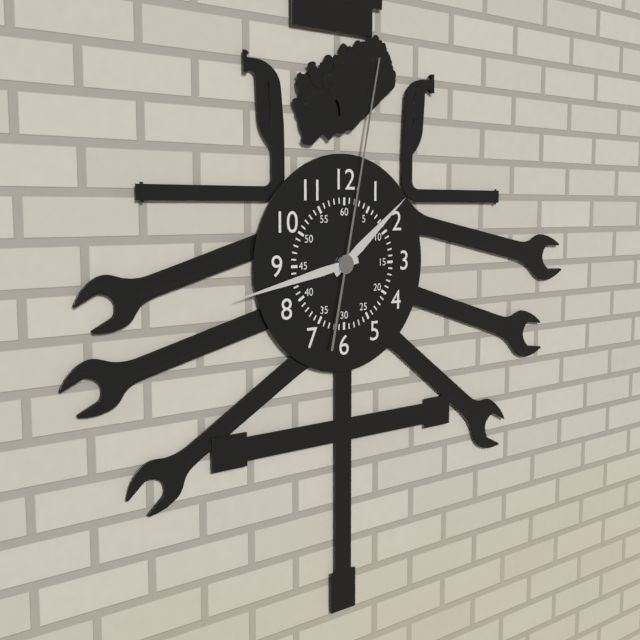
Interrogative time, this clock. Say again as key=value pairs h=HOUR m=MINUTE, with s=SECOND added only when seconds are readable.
h=1 m=43 s=2
